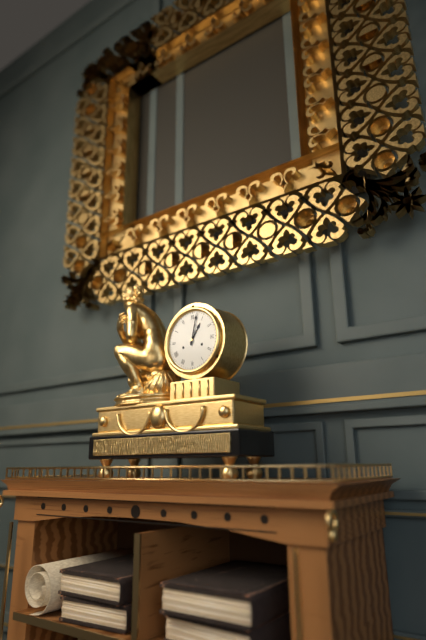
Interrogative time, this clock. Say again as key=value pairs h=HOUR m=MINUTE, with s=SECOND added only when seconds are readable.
h=1 m=2
